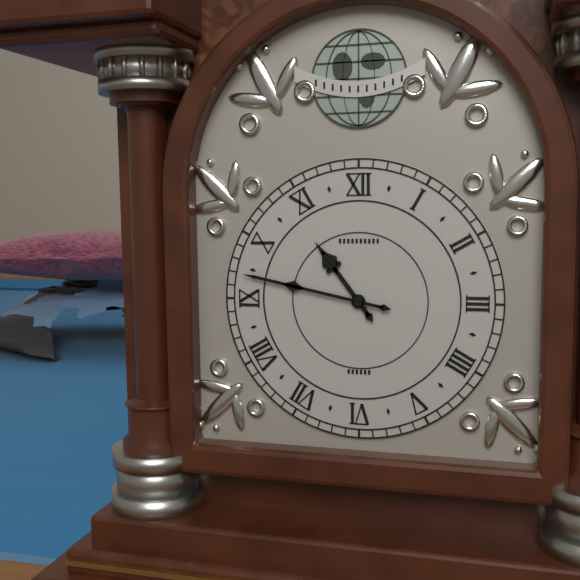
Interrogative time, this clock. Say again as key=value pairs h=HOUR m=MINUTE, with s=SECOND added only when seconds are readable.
h=10 m=47
